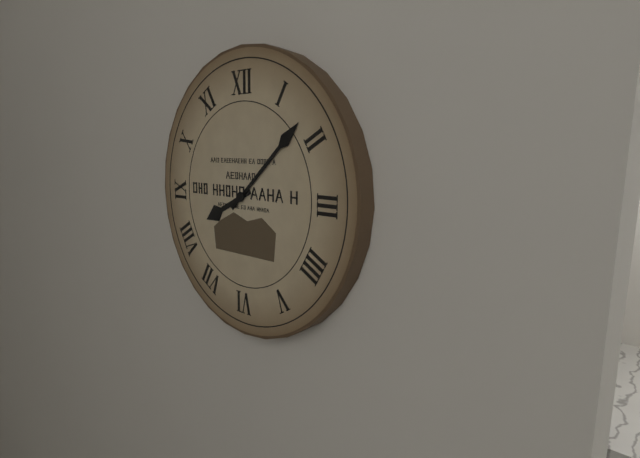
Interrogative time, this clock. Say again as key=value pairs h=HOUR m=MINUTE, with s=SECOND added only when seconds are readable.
h=8 m=8
